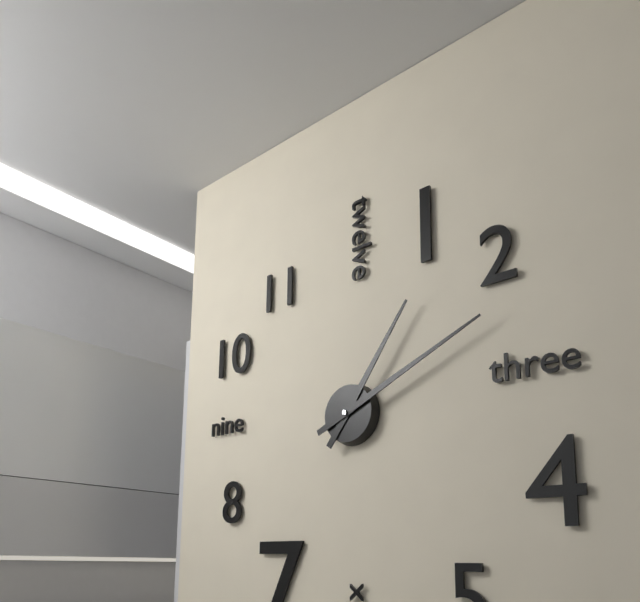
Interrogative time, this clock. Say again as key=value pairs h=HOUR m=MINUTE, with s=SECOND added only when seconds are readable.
h=1 m=11
